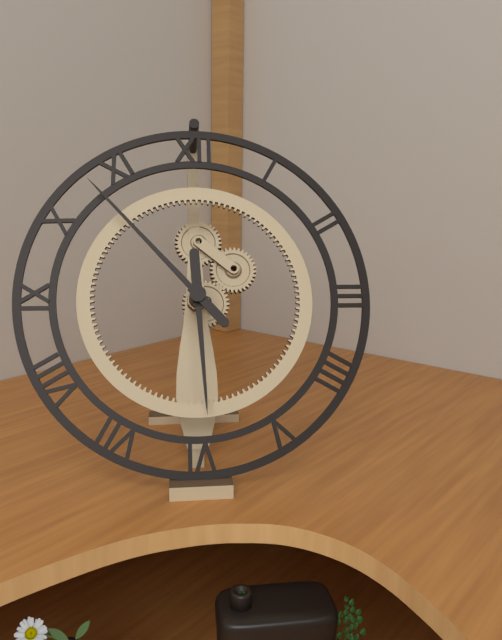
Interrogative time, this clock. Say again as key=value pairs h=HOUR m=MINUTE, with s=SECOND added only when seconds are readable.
h=5 m=53
